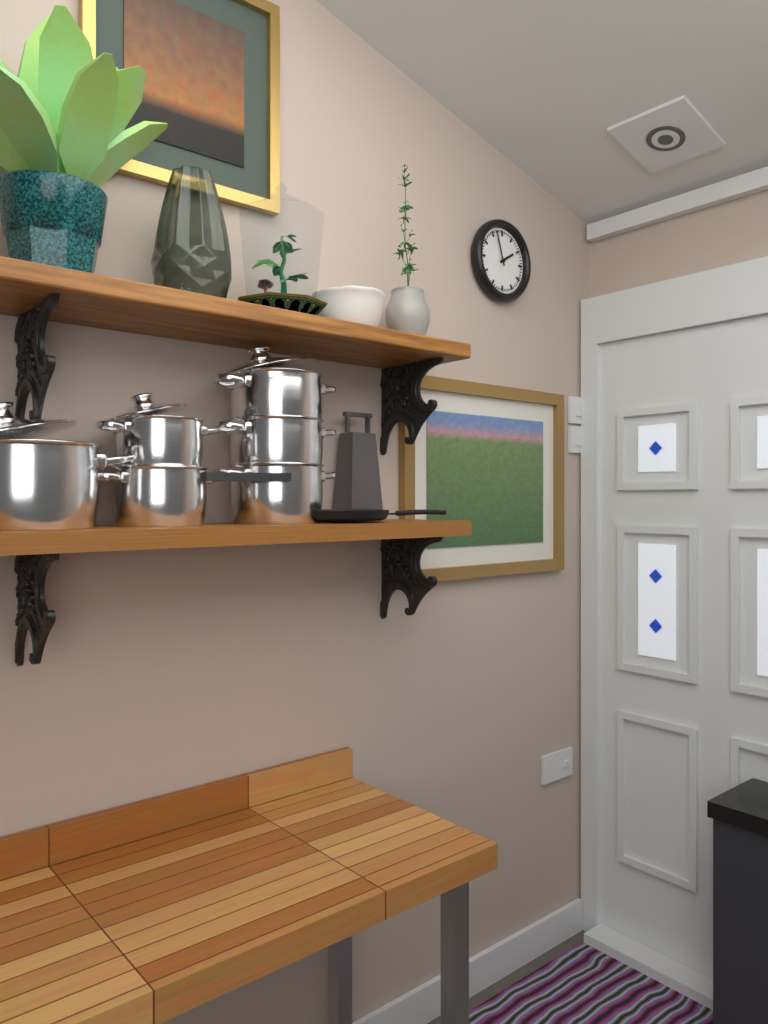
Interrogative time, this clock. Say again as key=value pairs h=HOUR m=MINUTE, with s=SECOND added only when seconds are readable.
h=1 m=57
